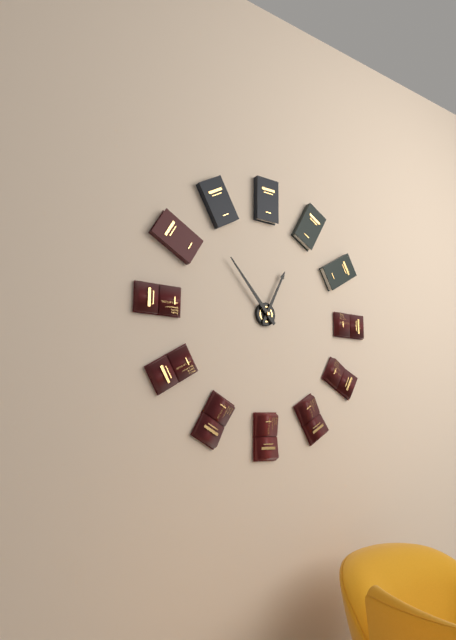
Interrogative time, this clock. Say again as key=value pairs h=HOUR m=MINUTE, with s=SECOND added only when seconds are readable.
h=12 m=53
